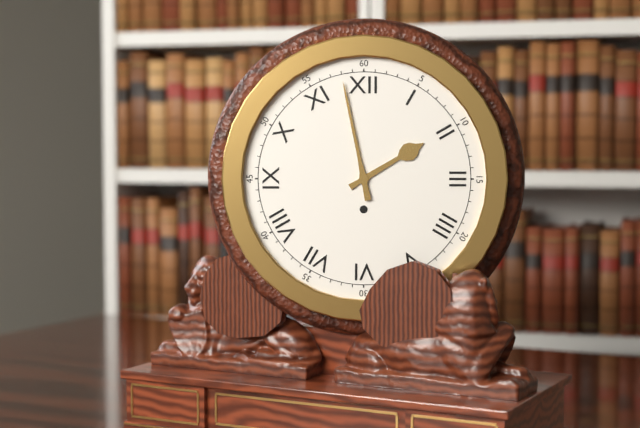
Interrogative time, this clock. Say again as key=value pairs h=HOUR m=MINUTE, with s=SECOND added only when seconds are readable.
h=1 m=58
